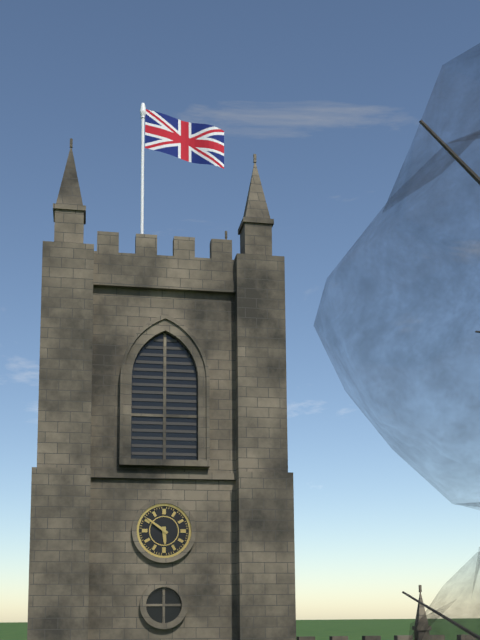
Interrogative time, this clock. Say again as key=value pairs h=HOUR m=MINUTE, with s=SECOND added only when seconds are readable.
h=5 m=51
